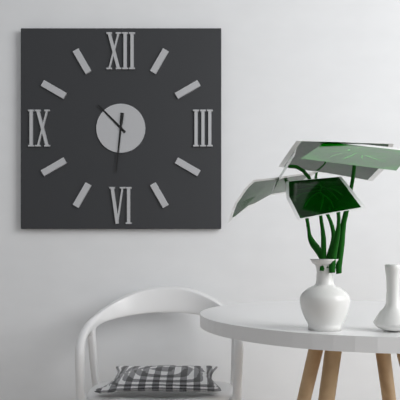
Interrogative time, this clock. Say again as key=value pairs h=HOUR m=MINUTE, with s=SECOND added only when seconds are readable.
h=10 m=31
